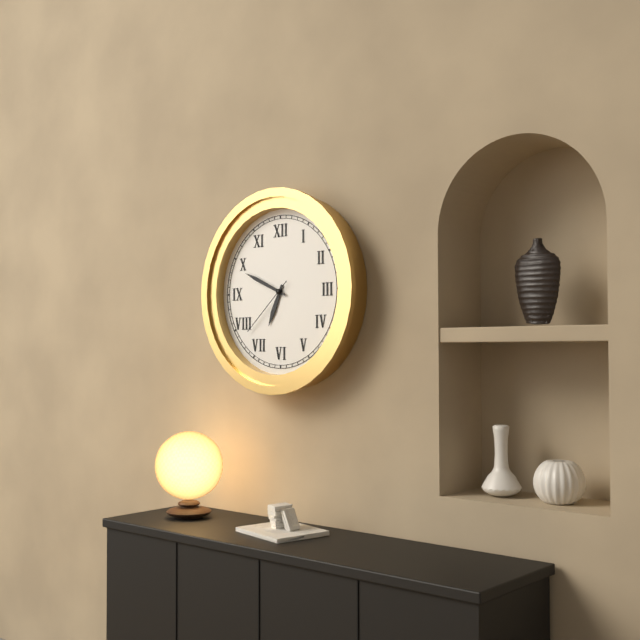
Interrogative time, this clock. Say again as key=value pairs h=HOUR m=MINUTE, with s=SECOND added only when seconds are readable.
h=6 m=49 s=38
